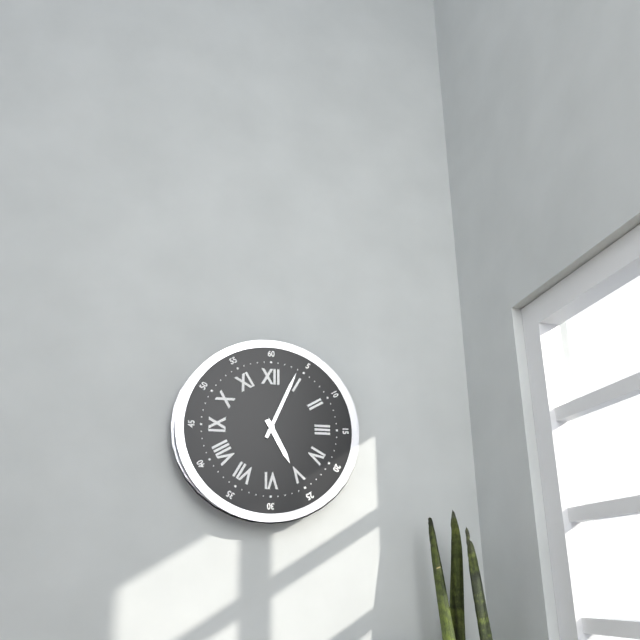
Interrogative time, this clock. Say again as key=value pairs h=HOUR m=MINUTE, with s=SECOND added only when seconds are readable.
h=5 m=4
